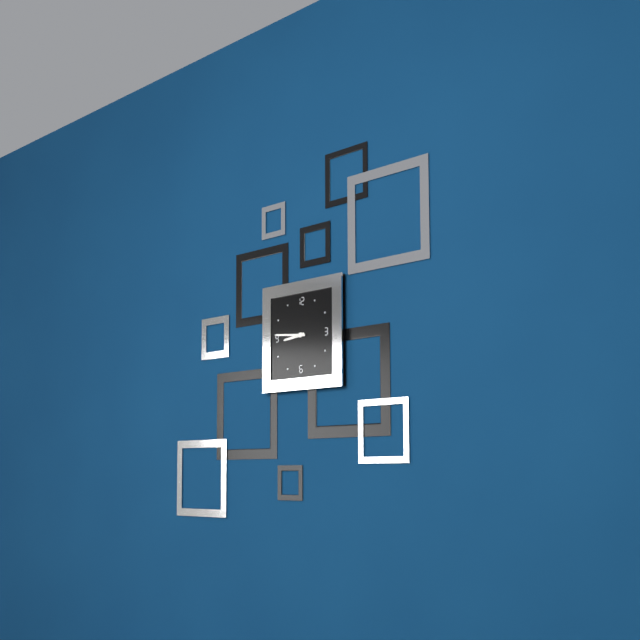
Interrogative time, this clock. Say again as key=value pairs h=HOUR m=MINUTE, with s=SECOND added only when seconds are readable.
h=8 m=46
